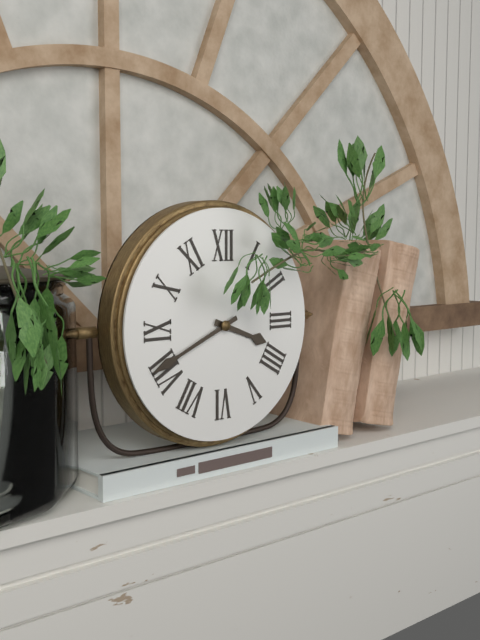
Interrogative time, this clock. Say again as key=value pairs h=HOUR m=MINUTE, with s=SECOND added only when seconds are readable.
h=3 m=41
